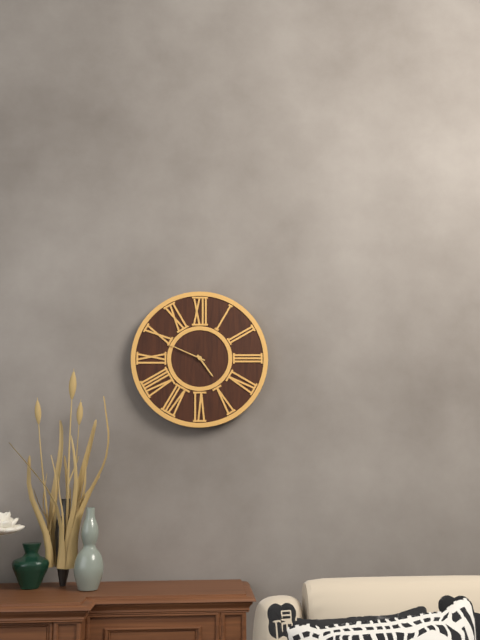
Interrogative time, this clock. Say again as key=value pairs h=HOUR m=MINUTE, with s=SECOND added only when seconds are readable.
h=4 m=49
